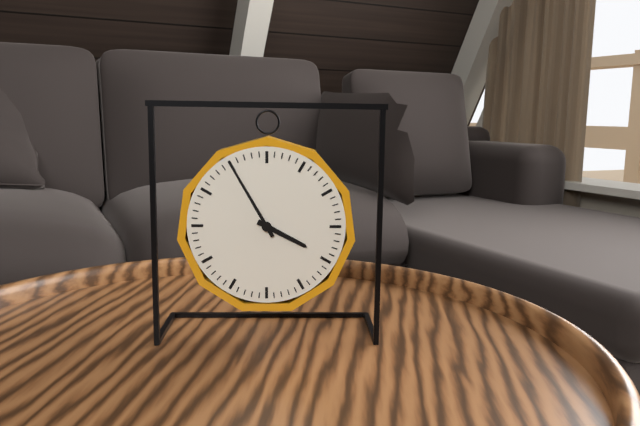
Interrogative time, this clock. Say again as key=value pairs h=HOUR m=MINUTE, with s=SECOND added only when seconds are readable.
h=3 m=55
